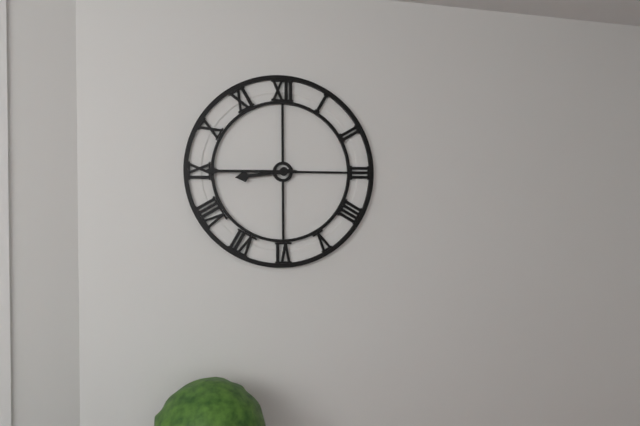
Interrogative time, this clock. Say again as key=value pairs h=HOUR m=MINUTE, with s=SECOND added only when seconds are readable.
h=8 m=45
